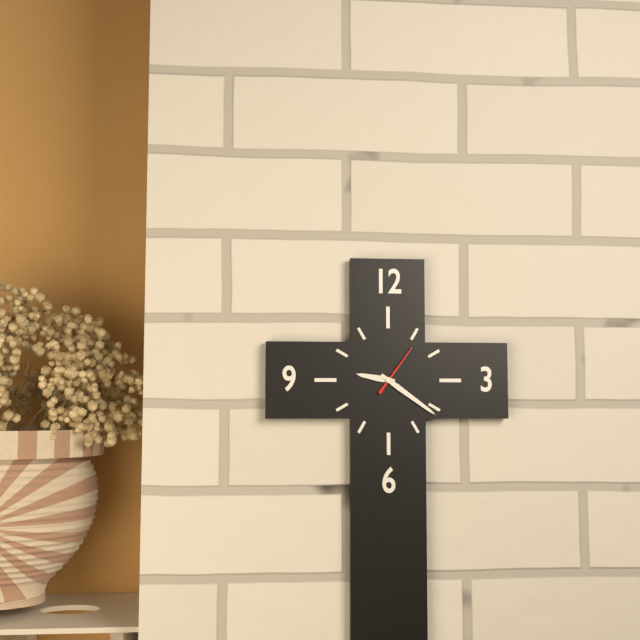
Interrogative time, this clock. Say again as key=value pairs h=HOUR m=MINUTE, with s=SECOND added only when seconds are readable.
h=9 m=21 s=6
